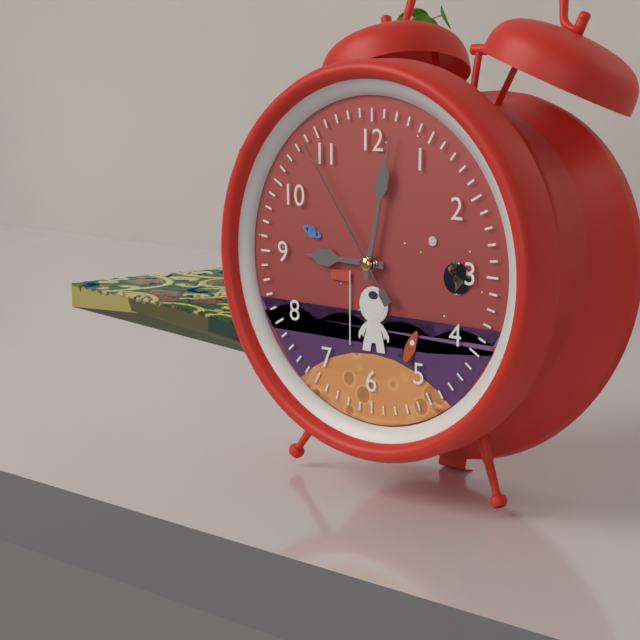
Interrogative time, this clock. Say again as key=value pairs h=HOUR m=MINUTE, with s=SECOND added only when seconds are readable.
h=9 m=2 s=54
